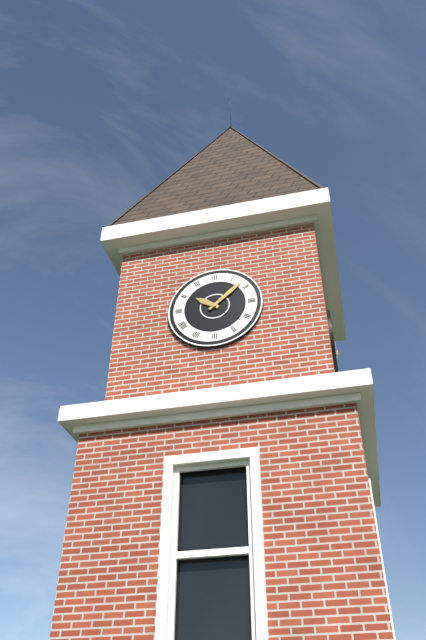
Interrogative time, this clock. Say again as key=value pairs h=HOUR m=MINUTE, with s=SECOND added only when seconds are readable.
h=10 m=8
